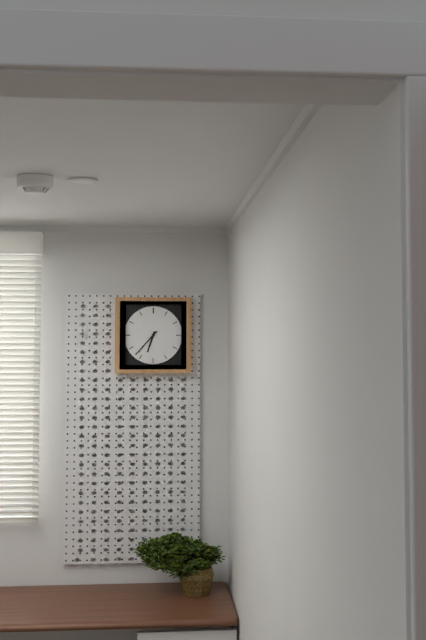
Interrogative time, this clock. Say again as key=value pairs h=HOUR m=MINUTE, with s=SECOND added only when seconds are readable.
h=6 m=37
